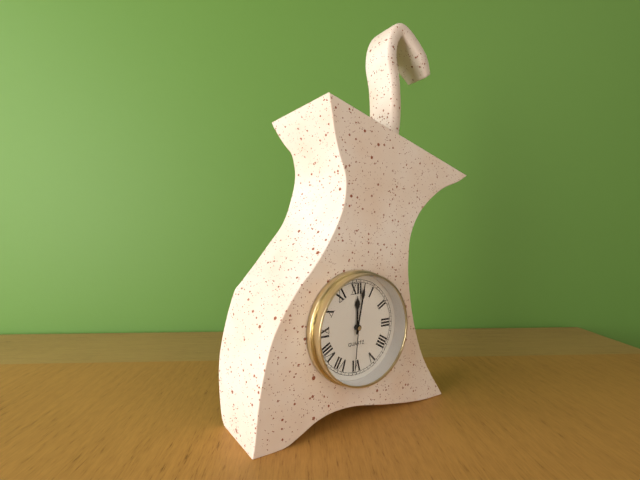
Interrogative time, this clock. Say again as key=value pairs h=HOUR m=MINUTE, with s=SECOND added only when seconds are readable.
h=12 m=2 s=31
